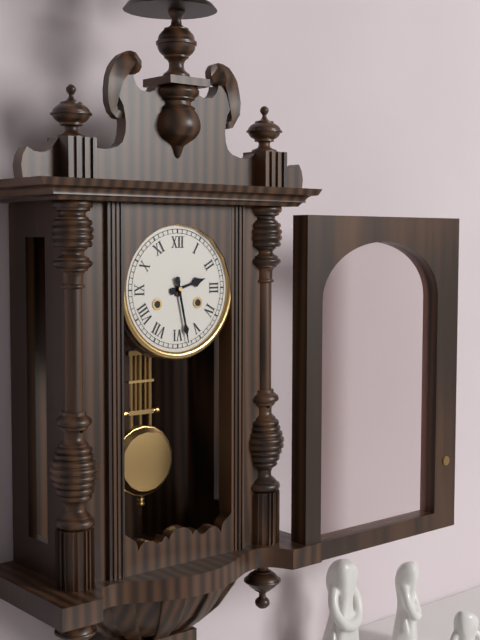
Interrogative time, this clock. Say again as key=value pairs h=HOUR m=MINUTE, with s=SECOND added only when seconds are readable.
h=2 m=28
